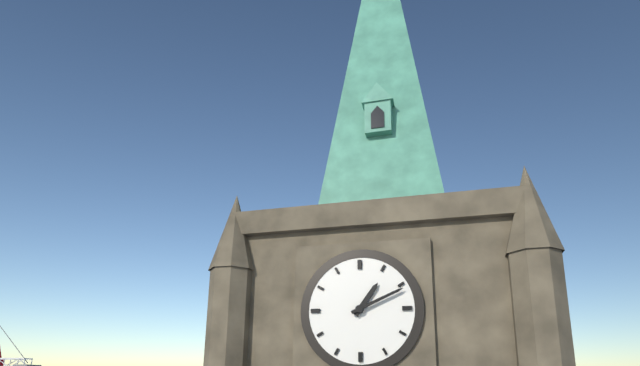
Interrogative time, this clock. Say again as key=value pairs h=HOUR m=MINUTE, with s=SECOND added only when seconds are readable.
h=1 m=11
